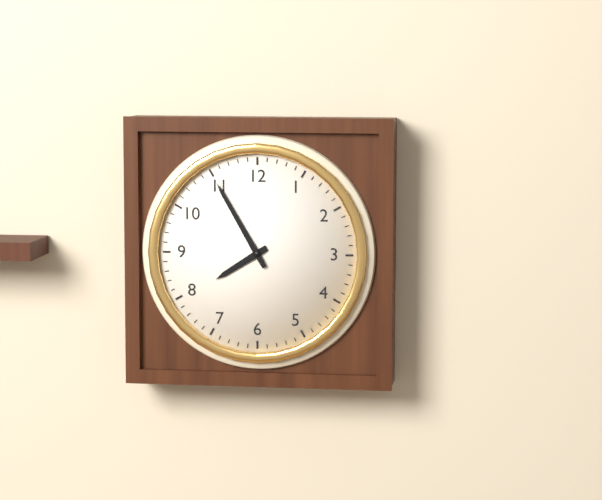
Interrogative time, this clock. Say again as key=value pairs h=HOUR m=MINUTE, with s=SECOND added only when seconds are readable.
h=7 m=55
